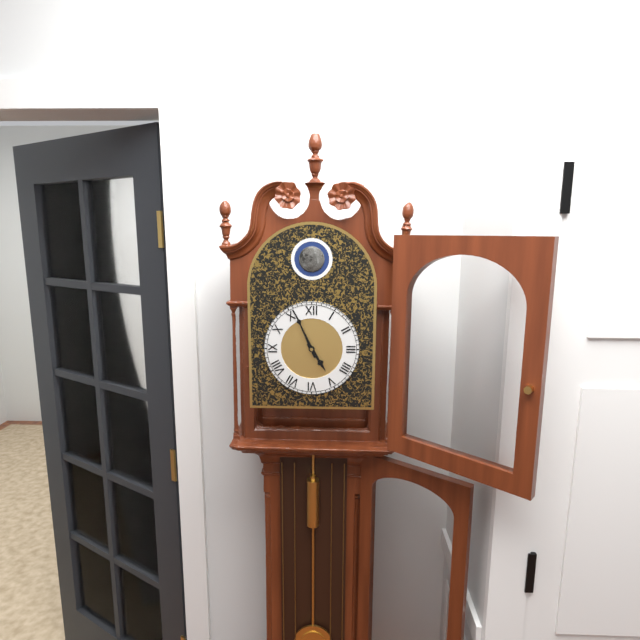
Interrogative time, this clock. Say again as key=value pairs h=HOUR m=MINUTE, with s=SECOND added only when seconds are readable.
h=4 m=56
